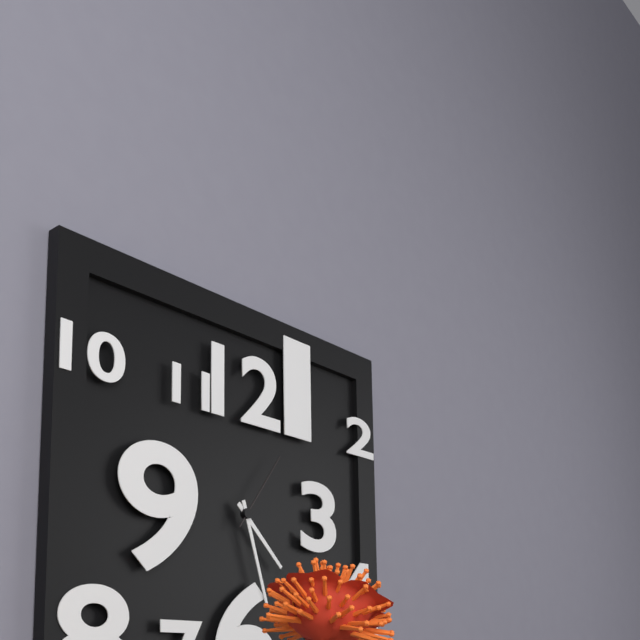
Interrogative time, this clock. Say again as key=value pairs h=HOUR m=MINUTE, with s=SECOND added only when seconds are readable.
h=4 m=27 s=6
